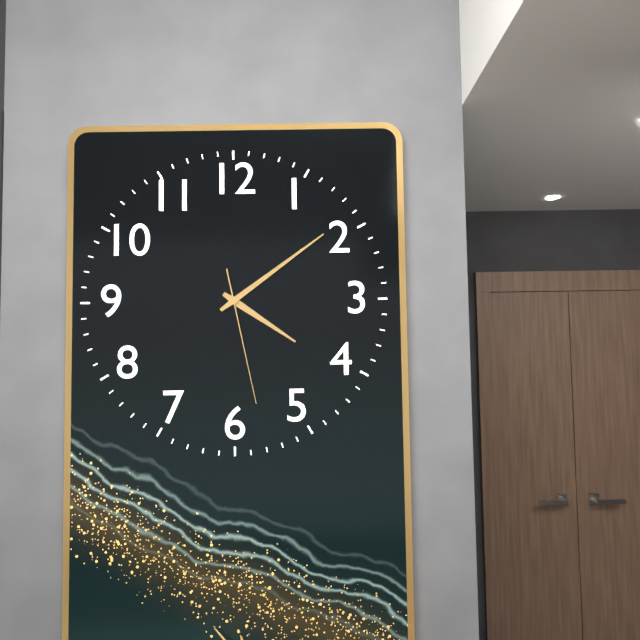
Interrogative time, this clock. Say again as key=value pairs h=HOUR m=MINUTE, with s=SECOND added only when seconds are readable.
h=4 m=9 s=28
